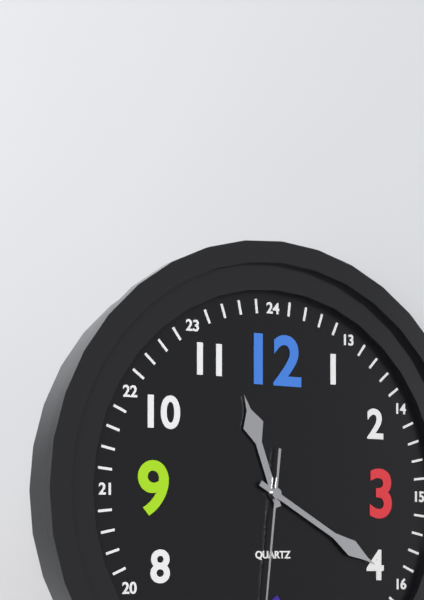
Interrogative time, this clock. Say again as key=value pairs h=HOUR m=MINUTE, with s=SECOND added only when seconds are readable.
h=11 m=20
